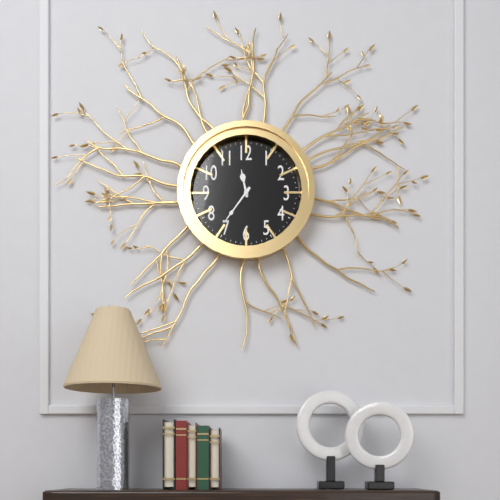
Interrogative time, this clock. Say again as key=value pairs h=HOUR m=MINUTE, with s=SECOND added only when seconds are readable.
h=11 m=36
